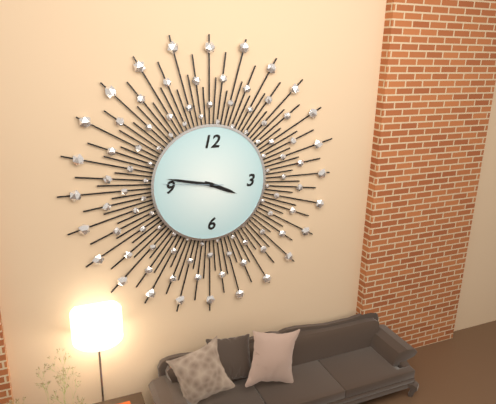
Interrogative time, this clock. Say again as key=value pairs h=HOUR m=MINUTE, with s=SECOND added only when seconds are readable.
h=3 m=47 s=46
